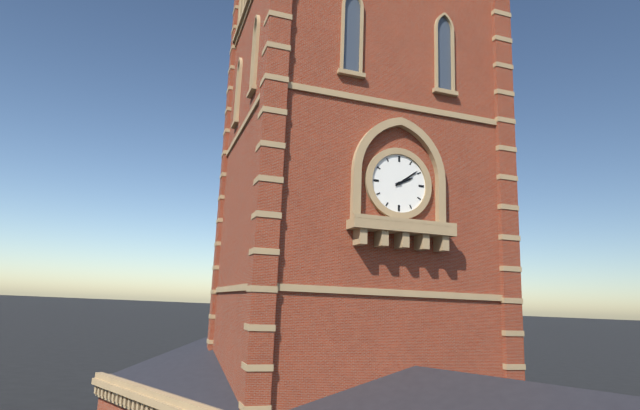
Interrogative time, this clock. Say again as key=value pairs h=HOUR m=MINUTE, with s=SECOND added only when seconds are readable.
h=2 m=9
